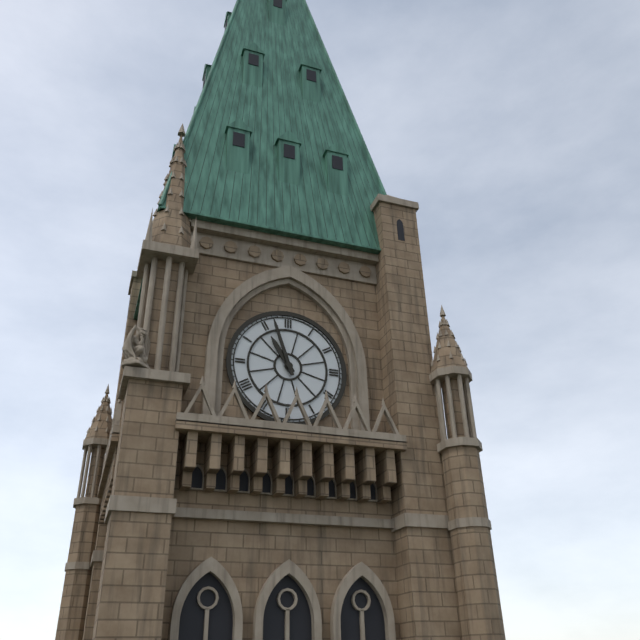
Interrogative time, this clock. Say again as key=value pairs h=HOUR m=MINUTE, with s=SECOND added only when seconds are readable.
h=10 m=57
